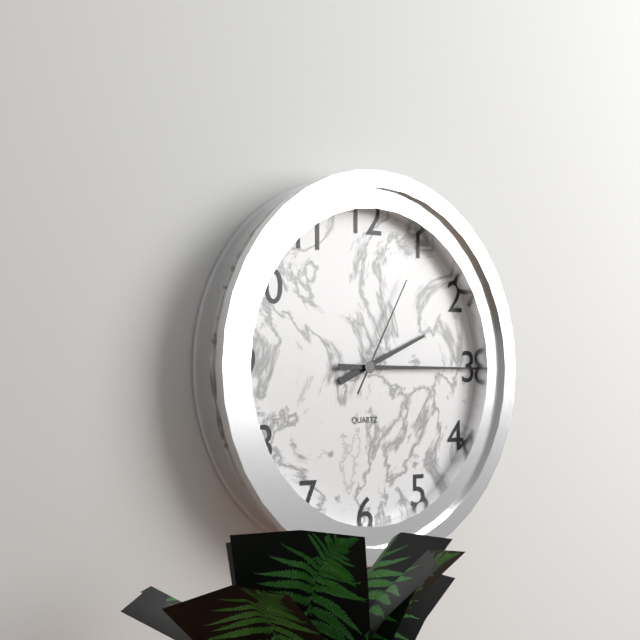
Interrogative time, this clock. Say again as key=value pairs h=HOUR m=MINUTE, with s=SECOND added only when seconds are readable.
h=2 m=15 s=5
